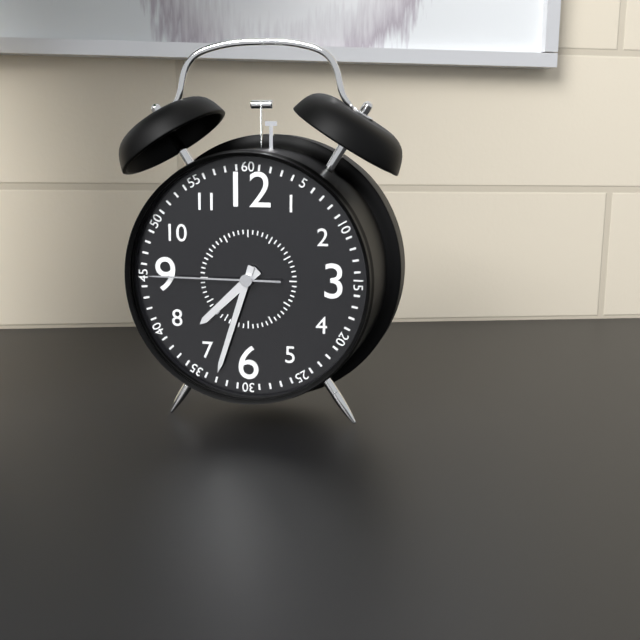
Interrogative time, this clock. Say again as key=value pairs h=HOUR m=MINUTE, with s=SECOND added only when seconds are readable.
h=7 m=33 s=45
